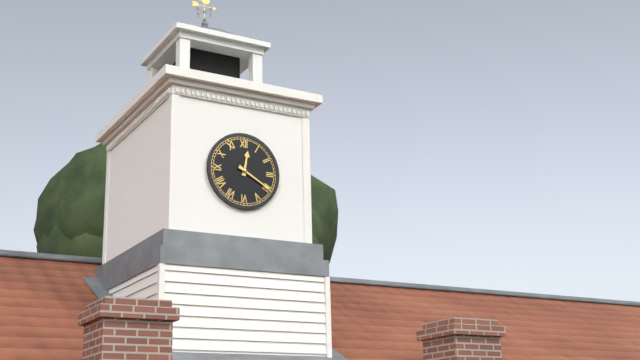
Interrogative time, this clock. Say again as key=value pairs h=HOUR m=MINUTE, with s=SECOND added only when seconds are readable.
h=12 m=20
